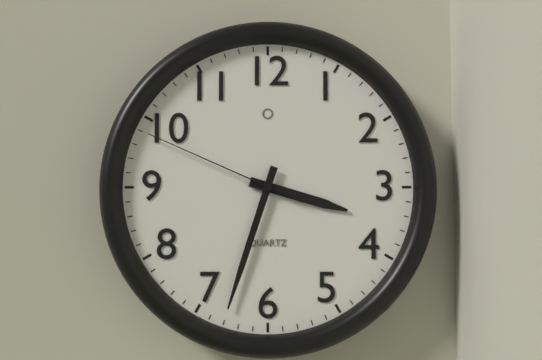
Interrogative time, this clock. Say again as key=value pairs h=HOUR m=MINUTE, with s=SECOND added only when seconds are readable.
h=3 m=33 s=49
